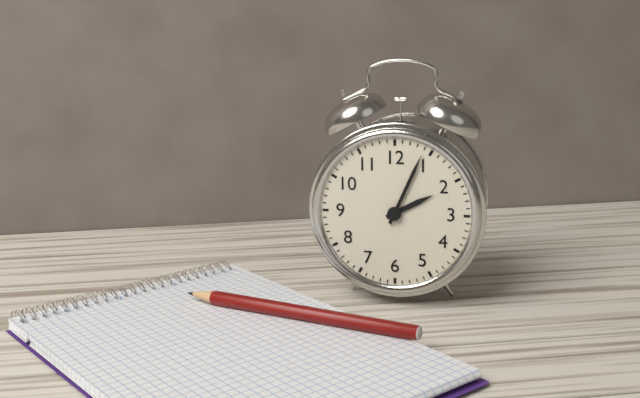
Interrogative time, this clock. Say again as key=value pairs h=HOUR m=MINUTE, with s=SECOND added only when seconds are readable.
h=2 m=4
